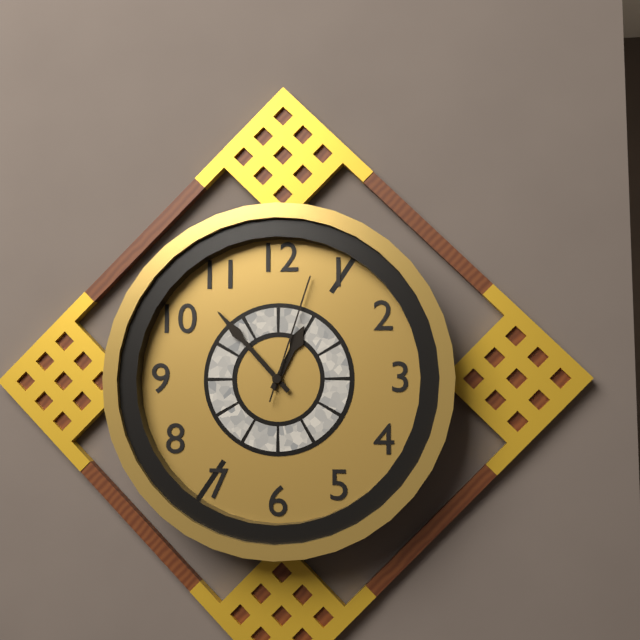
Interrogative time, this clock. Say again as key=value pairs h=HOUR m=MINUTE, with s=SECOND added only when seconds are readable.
h=12 m=53 s=3
